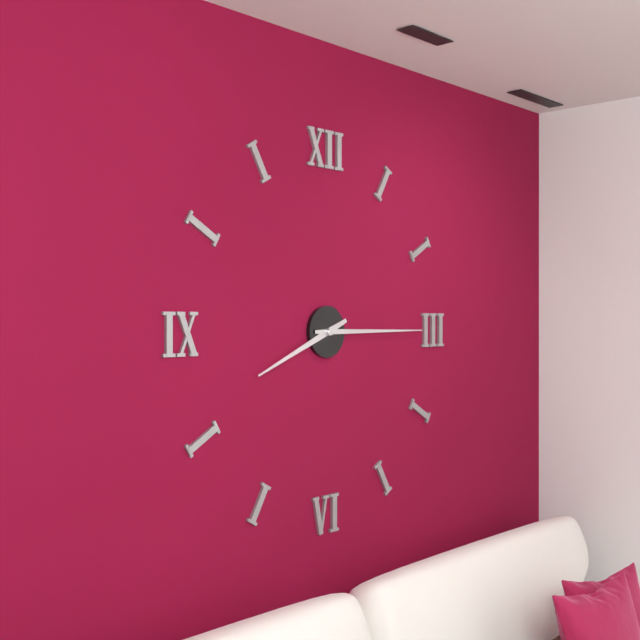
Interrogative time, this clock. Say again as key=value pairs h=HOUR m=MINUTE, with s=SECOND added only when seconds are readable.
h=8 m=15
